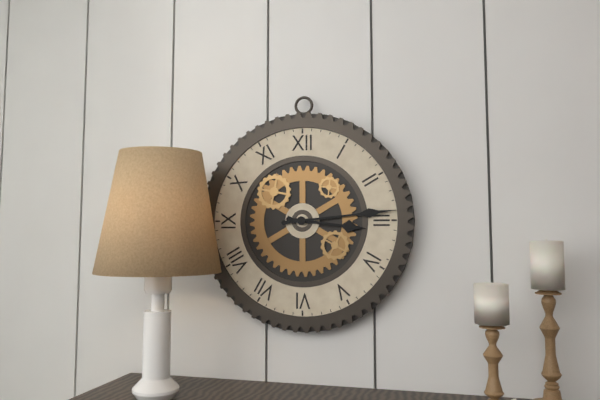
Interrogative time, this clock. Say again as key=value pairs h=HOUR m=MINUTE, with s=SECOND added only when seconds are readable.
h=3 m=14
